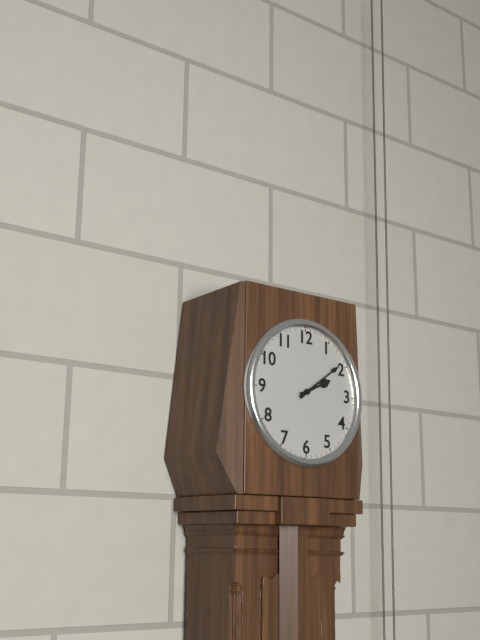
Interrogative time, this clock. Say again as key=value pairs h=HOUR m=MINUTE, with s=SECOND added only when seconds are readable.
h=2 m=9
